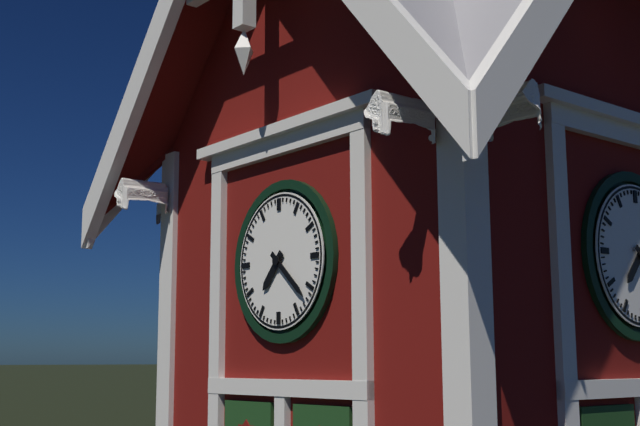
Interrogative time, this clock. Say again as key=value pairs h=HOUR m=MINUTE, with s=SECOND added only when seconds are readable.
h=7 m=22
